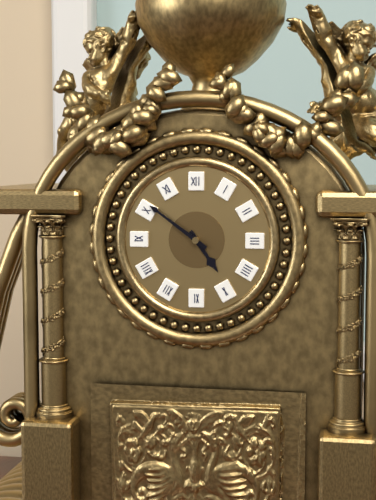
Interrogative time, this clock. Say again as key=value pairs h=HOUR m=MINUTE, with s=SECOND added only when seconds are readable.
h=4 m=51
